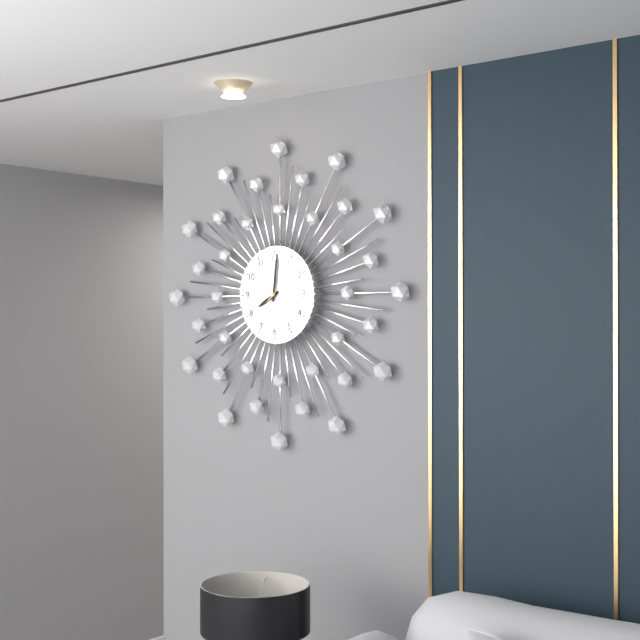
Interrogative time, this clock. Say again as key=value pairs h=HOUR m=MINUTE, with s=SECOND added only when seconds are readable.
h=8 m=1
